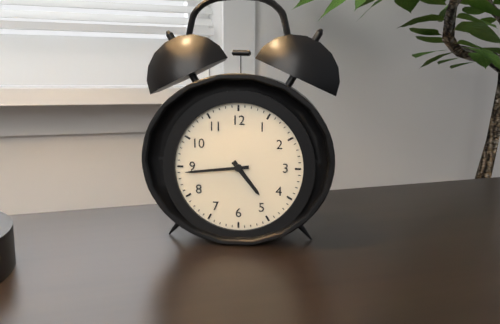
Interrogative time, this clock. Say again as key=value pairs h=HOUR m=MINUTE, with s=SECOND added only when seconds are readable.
h=4 m=44
